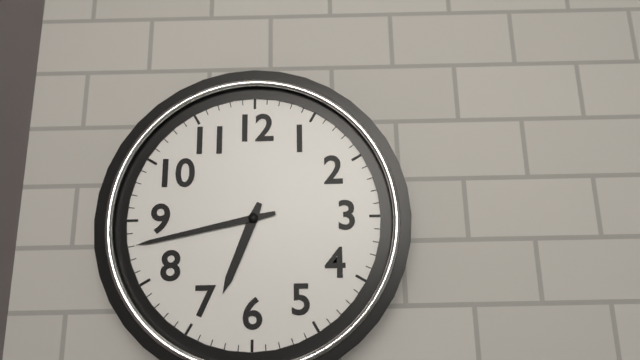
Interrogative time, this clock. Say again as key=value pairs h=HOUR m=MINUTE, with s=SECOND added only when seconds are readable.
h=6 m=43
